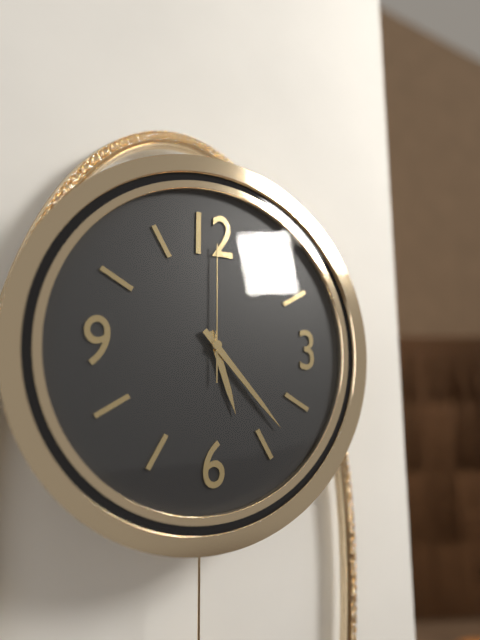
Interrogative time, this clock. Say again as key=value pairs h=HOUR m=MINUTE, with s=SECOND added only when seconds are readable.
h=5 m=23 s=0
